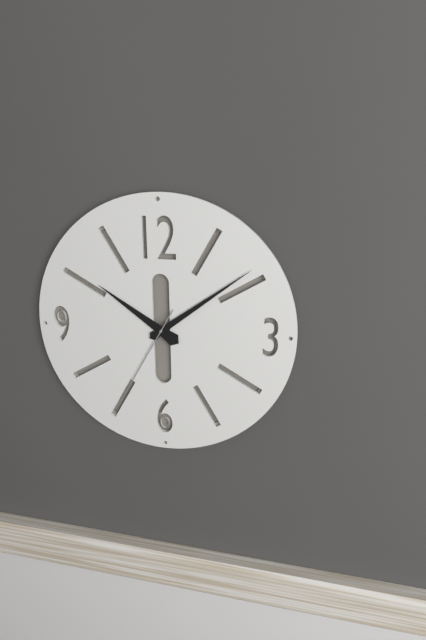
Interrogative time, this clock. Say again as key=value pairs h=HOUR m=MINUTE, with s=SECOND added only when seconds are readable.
h=10 m=9 s=35
